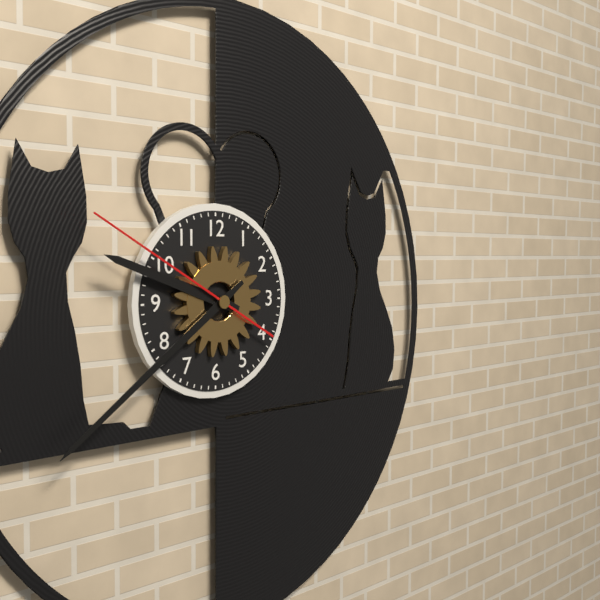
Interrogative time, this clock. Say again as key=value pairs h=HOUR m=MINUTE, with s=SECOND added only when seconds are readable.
h=9 m=39 s=50
